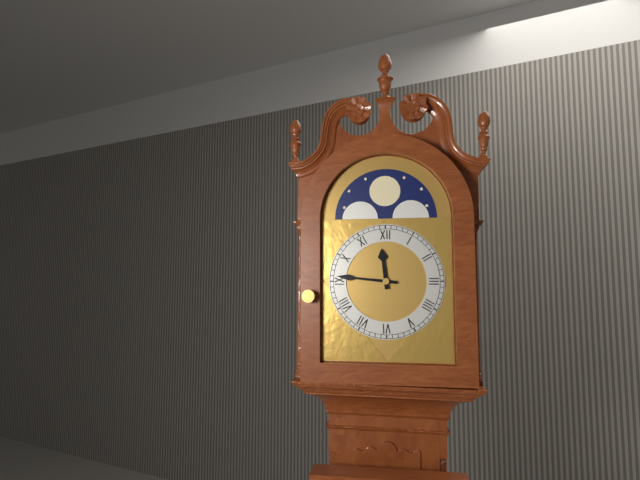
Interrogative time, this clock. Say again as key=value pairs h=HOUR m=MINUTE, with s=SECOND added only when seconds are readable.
h=11 m=46
